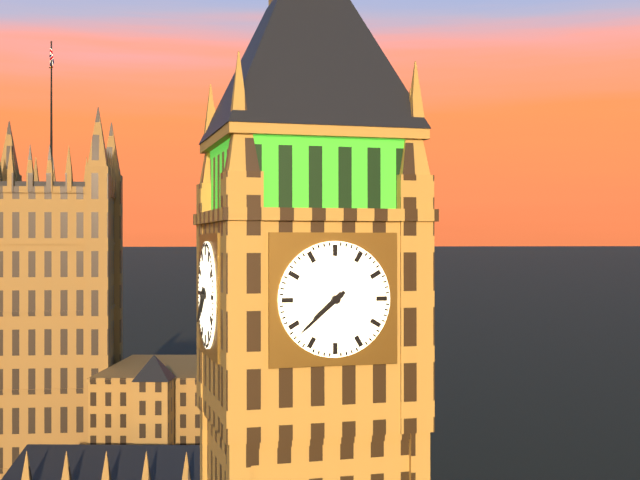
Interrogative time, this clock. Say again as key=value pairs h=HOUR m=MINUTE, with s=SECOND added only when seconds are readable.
h=7 m=38
